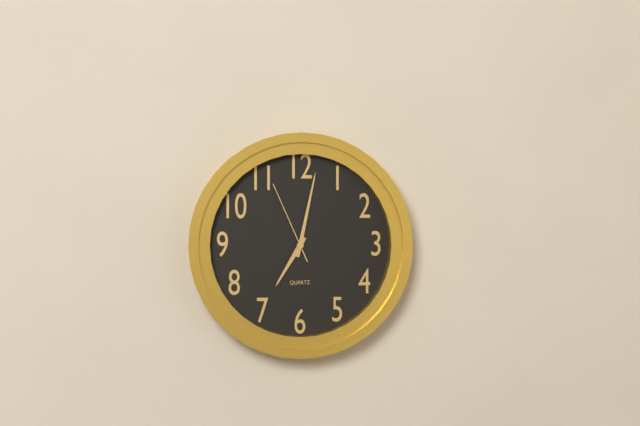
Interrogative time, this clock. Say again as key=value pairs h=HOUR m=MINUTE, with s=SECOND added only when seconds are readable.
h=7 m=2 s=56
